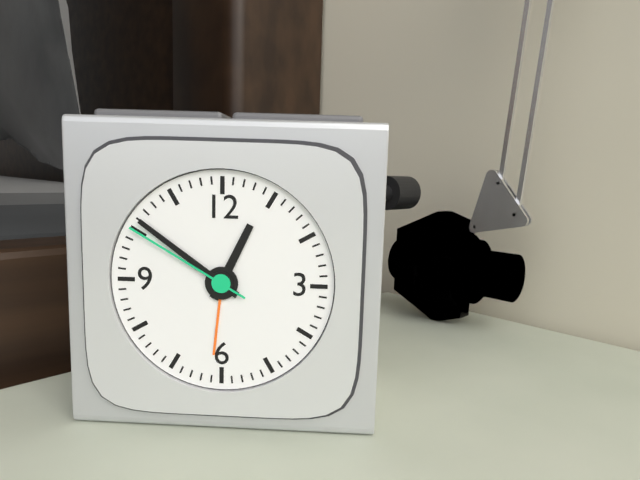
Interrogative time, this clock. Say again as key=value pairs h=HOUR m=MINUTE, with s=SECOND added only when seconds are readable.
h=12 m=51 s=50
